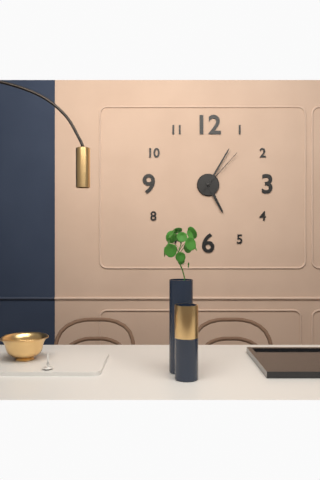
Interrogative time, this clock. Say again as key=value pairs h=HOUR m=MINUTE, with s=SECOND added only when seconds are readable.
h=5 m=5 s=7
